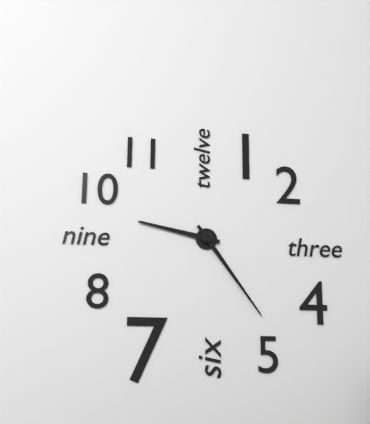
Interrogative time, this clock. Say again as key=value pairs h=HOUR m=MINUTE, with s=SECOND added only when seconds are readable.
h=9 m=24
